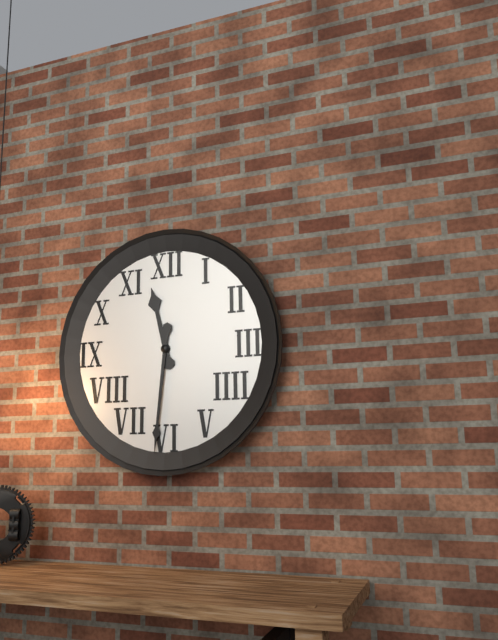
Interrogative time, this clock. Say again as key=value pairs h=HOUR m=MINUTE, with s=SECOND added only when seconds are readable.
h=11 m=31
